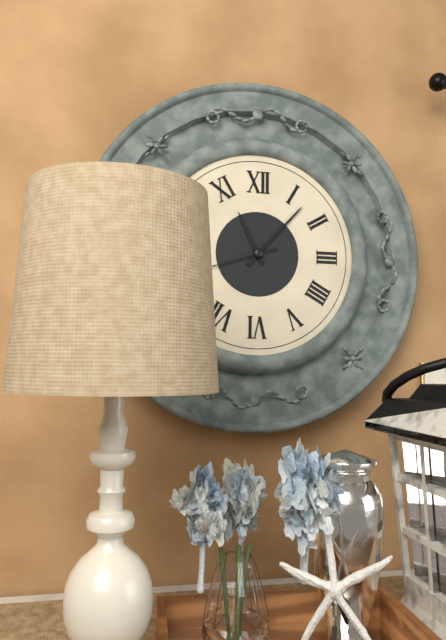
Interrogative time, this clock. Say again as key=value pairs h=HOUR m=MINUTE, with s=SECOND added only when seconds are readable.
h=11 m=7
